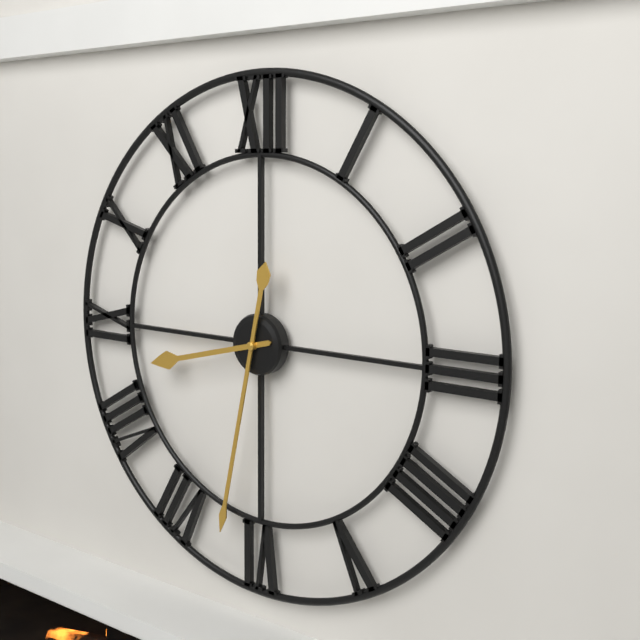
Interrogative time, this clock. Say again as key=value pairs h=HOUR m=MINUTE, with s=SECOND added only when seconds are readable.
h=8 m=32
